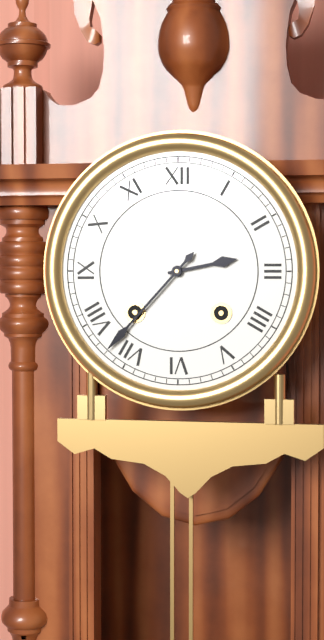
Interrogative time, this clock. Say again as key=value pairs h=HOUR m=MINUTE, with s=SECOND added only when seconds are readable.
h=2 m=37
